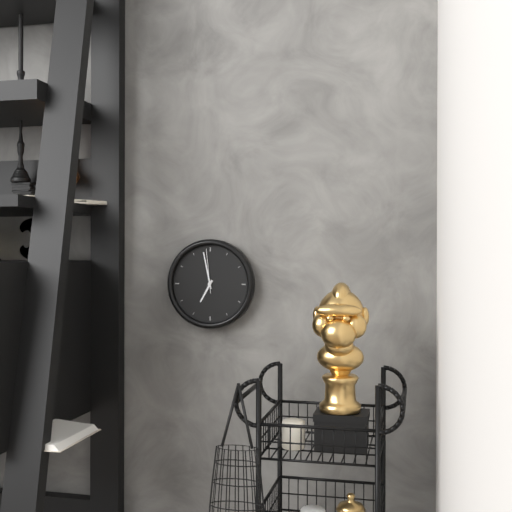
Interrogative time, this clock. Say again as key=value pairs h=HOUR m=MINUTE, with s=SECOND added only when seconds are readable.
h=6 m=58
